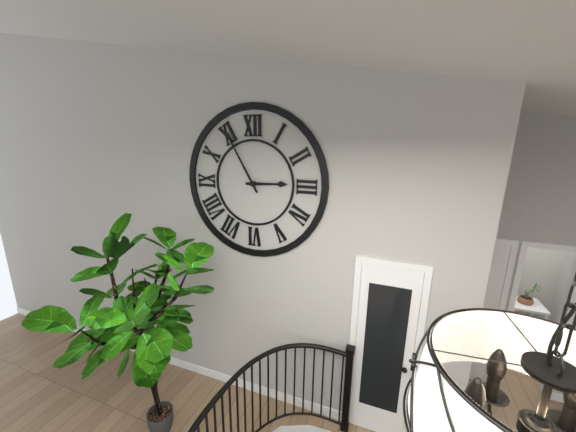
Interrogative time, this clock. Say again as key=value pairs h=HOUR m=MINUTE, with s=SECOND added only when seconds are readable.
h=2 m=55
